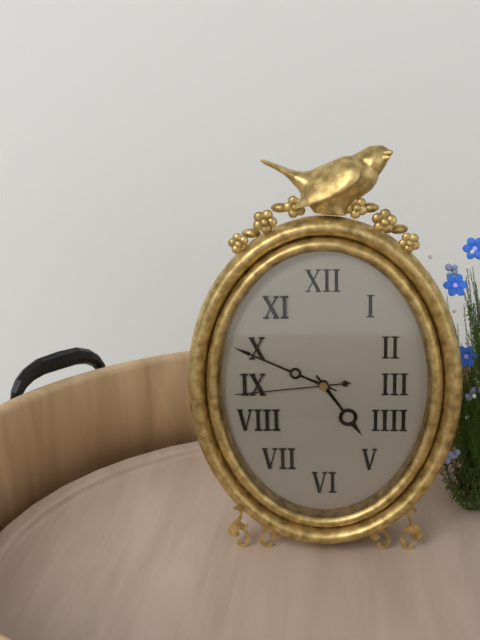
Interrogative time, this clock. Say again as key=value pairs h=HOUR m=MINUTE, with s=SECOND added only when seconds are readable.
h=4 m=49 s=44
